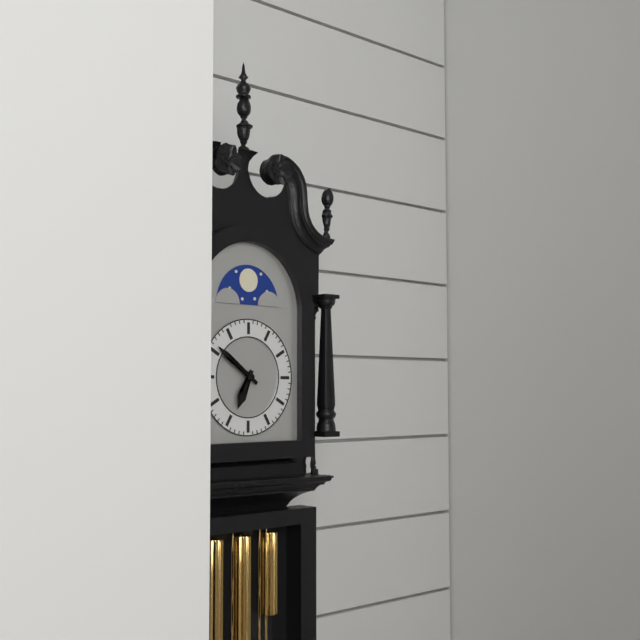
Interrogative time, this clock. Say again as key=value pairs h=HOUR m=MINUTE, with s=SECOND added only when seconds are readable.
h=6 m=51
